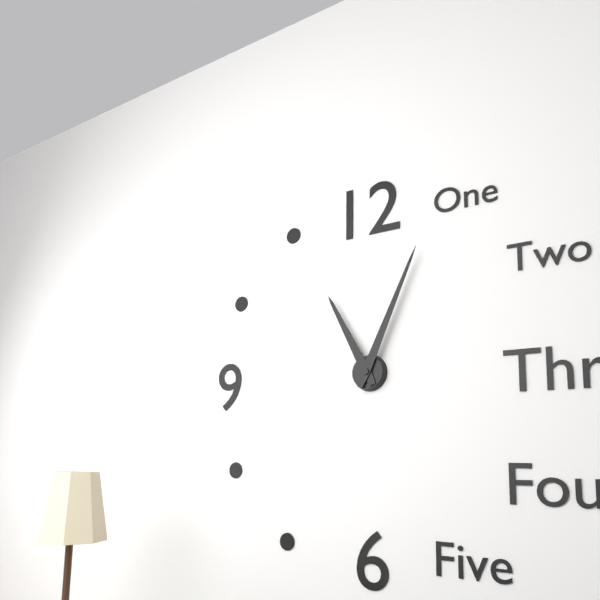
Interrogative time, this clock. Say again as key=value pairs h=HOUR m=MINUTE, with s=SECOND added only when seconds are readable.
h=11 m=4
